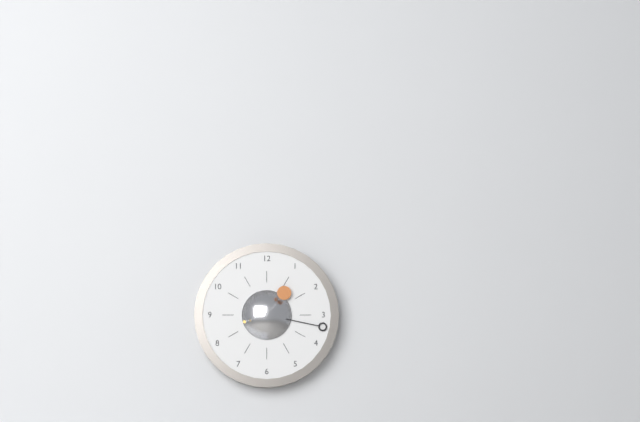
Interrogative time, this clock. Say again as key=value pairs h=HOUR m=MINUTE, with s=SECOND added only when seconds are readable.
h=1 m=17
